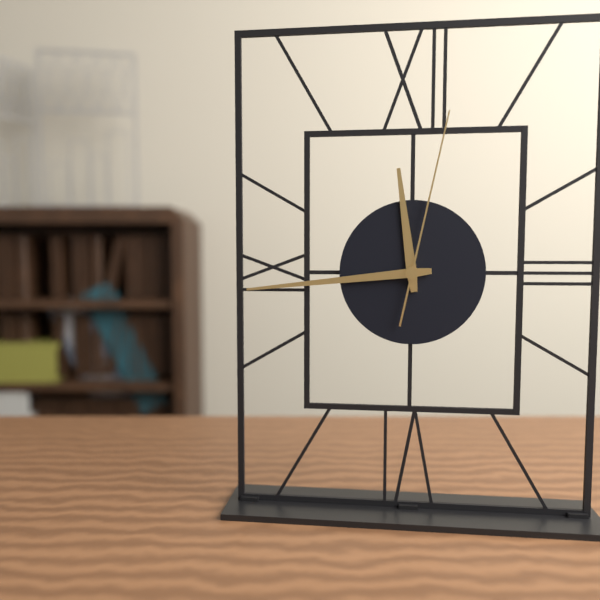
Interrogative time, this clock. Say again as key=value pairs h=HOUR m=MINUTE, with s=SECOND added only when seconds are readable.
h=11 m=44 s=2
